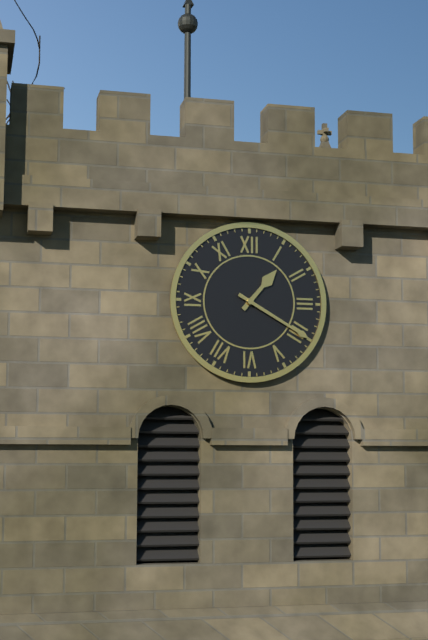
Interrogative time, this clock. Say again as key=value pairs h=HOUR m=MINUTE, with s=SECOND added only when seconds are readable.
h=1 m=20
